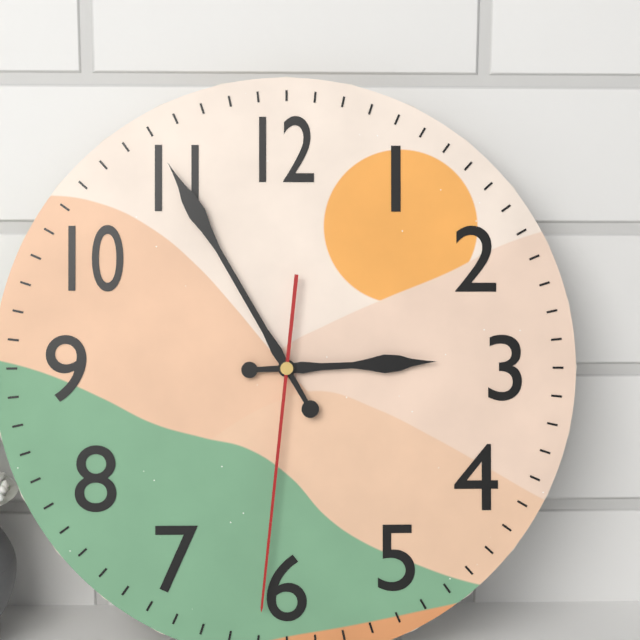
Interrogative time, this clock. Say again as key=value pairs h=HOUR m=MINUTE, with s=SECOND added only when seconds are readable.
h=2 m=55 s=31
